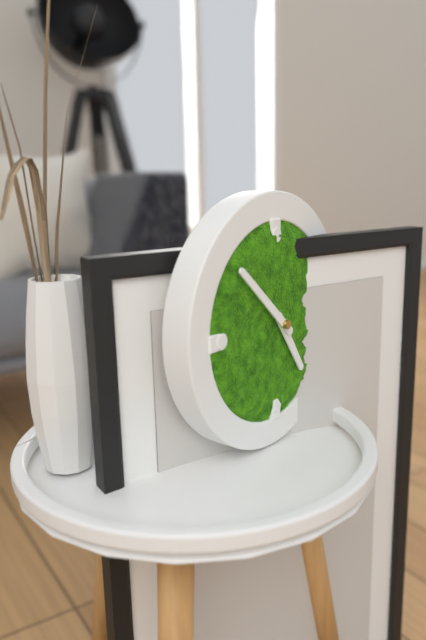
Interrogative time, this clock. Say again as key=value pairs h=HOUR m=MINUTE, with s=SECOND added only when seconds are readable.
h=4 m=52
